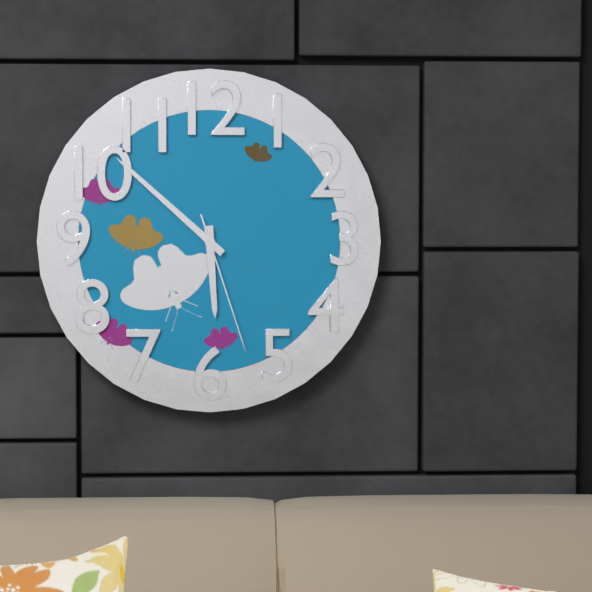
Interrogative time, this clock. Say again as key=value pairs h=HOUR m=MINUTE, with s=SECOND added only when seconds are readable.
h=5 m=52 s=27
